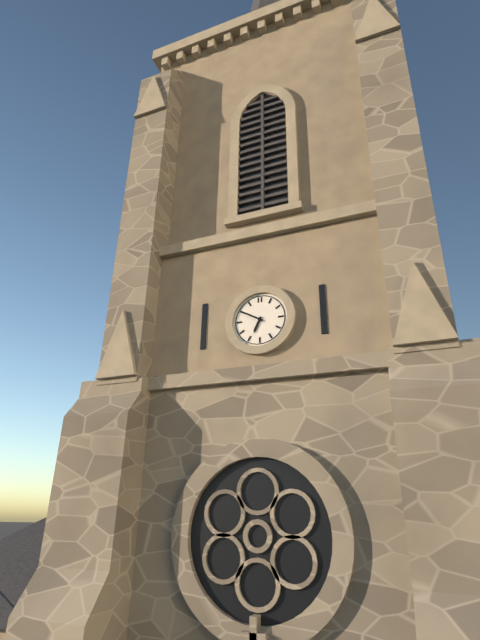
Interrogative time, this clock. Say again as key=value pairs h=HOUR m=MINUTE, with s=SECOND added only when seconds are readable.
h=6 m=50
